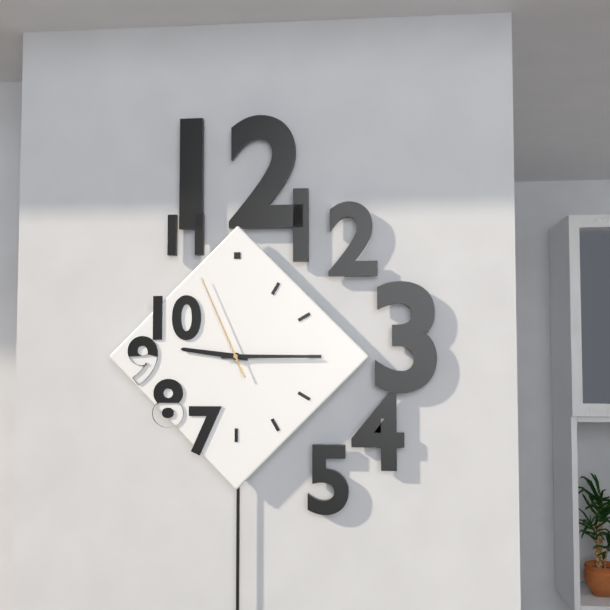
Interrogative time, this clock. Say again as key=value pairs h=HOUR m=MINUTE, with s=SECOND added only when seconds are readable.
h=9 m=15 s=56
